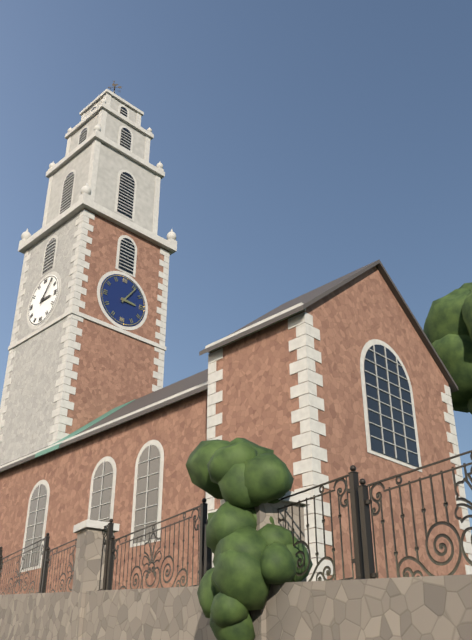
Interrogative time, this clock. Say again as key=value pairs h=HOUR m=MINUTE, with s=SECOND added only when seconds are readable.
h=3 m=6
